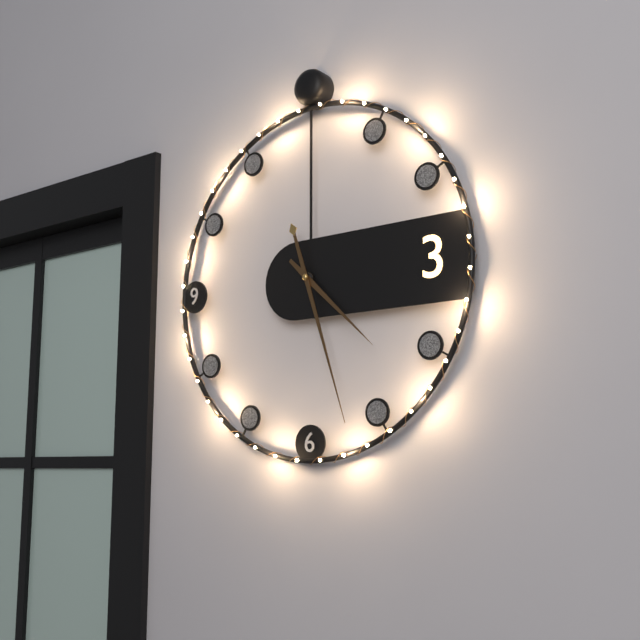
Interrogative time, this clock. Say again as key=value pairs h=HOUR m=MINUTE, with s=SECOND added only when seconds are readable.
h=4 m=27
